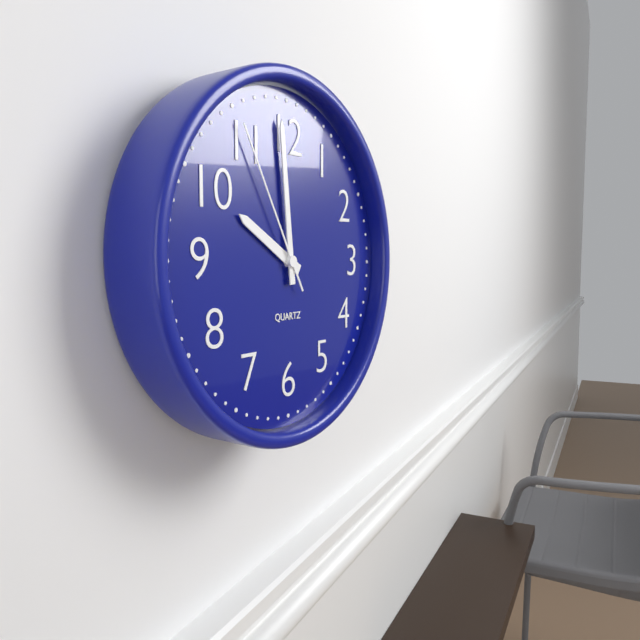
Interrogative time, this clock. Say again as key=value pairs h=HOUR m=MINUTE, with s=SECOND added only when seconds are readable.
h=9 m=59 s=55
